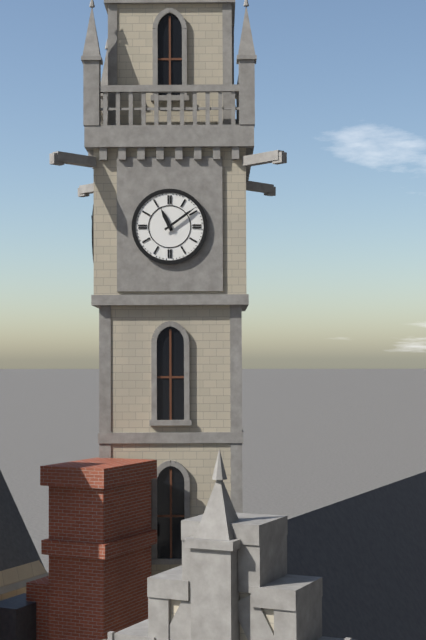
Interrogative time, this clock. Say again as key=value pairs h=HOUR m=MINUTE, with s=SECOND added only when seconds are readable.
h=11 m=9
